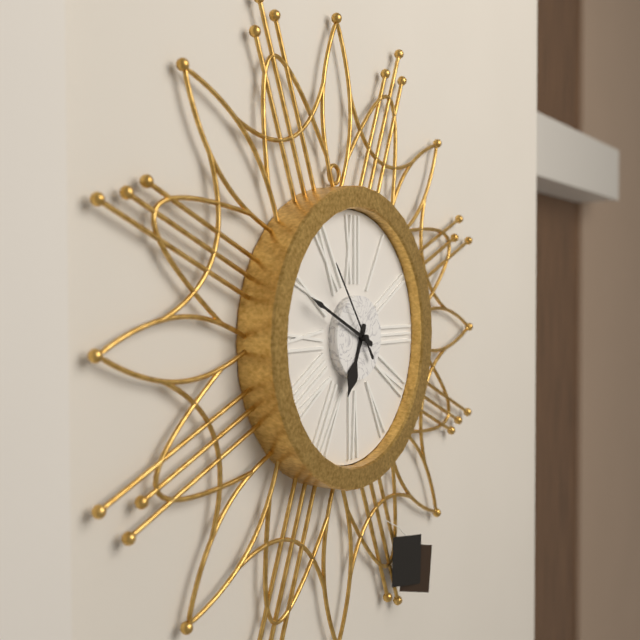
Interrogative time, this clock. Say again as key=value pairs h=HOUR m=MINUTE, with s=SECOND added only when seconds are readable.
h=6 m=49 s=54
